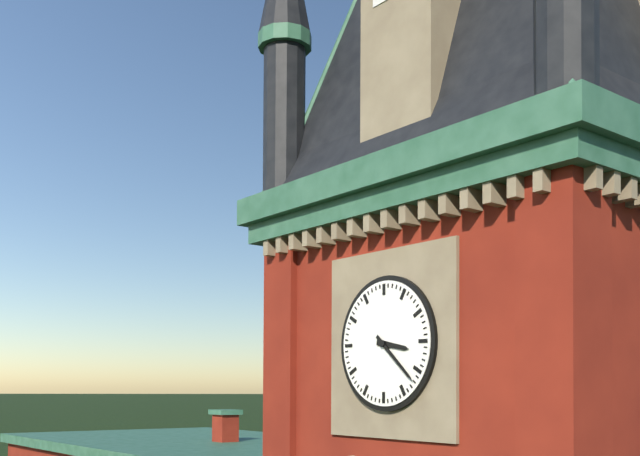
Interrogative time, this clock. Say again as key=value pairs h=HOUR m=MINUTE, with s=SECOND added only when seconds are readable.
h=3 m=22
